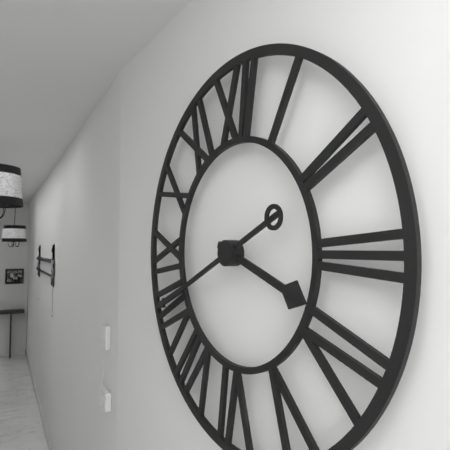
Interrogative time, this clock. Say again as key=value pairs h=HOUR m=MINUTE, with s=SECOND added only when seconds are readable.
h=3 m=41
